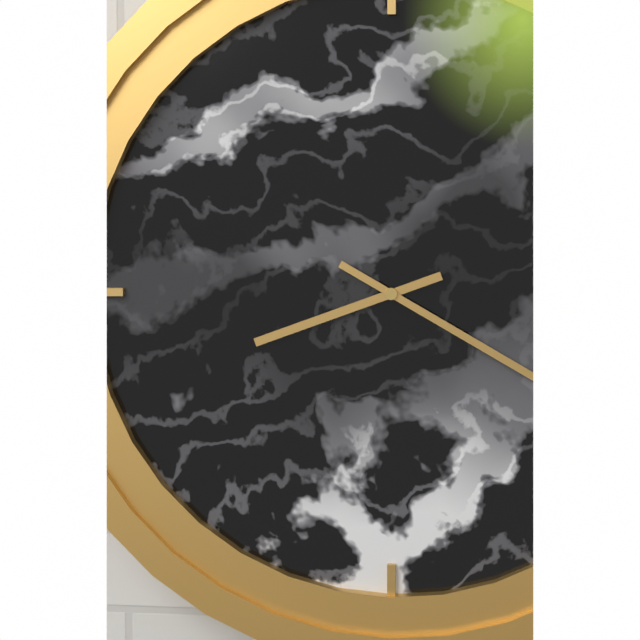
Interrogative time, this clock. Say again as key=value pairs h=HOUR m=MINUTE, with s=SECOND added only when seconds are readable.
h=8 m=20
